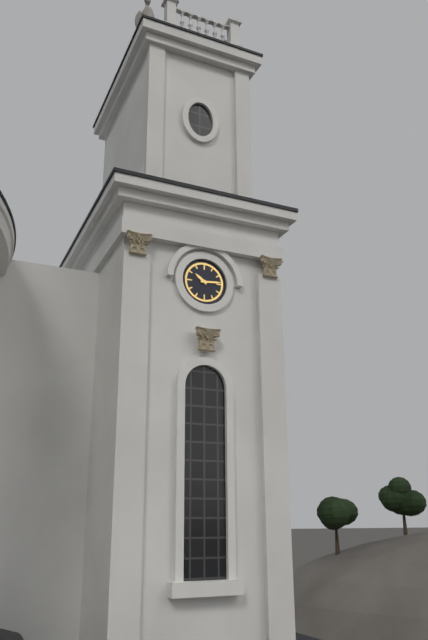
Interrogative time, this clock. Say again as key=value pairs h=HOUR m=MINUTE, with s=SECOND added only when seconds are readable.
h=10 m=14
